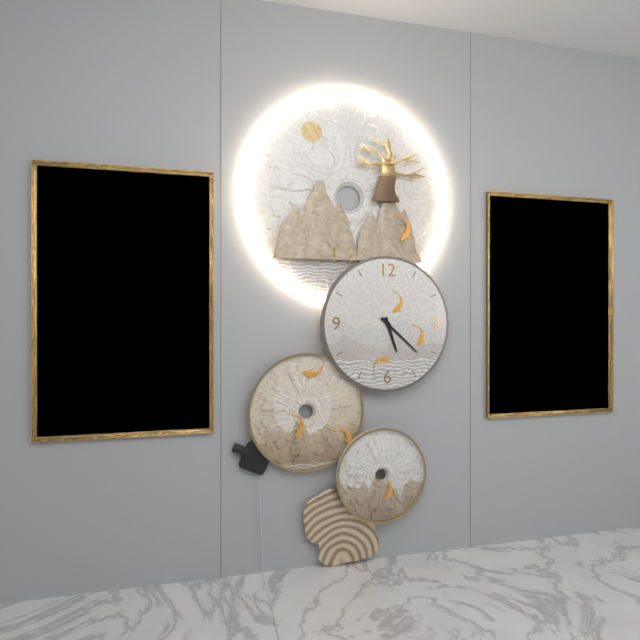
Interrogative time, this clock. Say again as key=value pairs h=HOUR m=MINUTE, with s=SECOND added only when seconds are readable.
h=5 m=22
